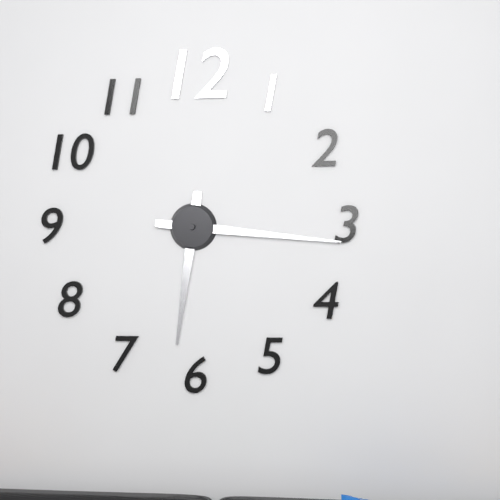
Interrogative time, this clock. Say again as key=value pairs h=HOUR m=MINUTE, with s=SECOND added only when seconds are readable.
h=6 m=16
